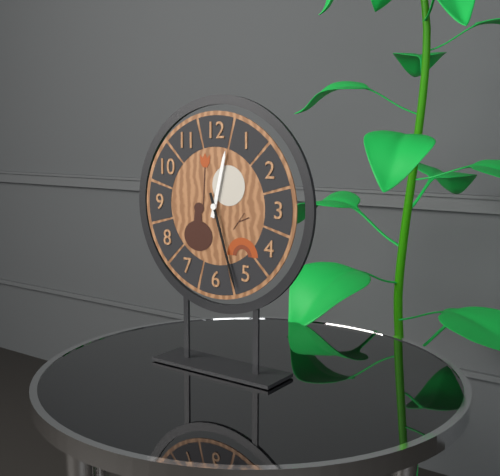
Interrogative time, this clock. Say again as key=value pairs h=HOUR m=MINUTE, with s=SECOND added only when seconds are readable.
h=12 m=27
